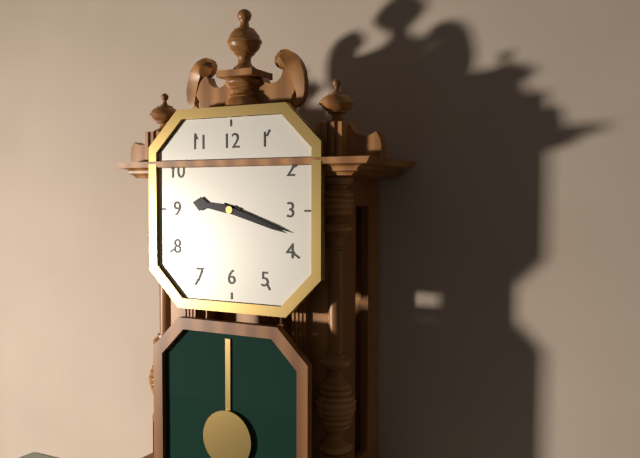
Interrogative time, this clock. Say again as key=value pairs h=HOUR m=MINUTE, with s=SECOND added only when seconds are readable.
h=9 m=18
